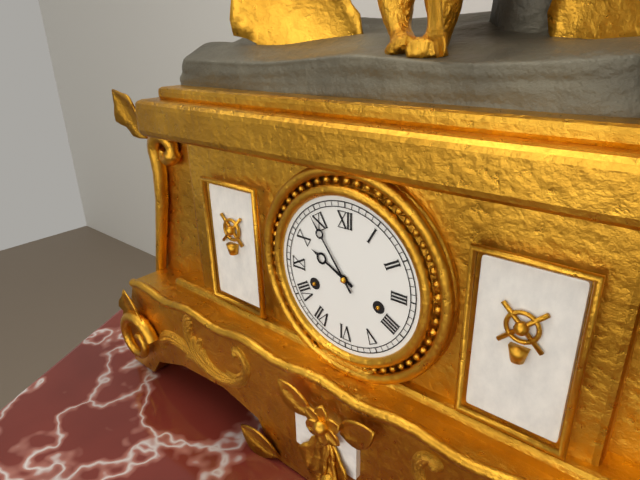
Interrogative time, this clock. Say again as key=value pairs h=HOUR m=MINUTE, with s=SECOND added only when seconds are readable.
h=9 m=54
